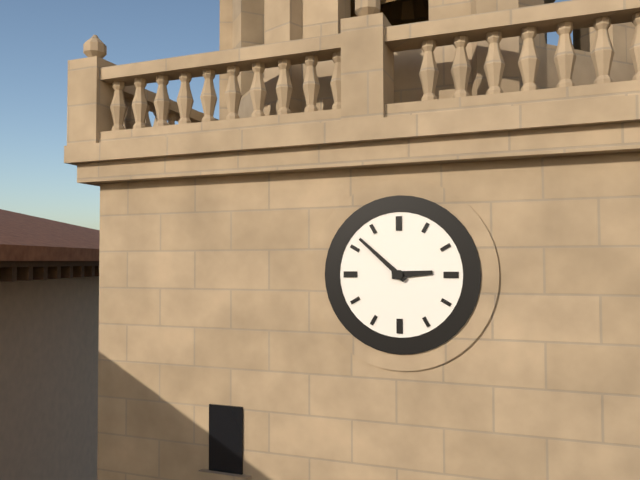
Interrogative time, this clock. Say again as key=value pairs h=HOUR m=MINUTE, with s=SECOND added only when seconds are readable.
h=2 m=52
